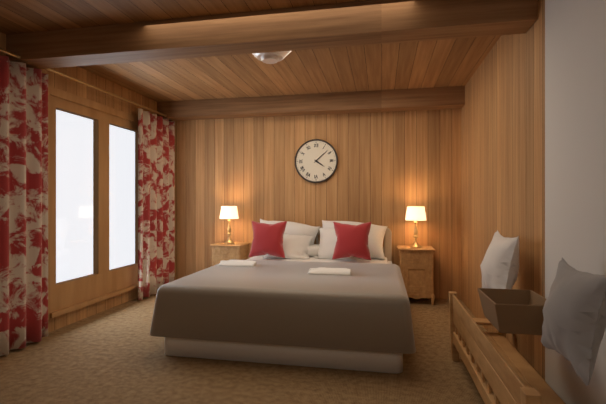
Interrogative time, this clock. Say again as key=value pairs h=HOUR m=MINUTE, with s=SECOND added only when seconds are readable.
h=4 m=8
